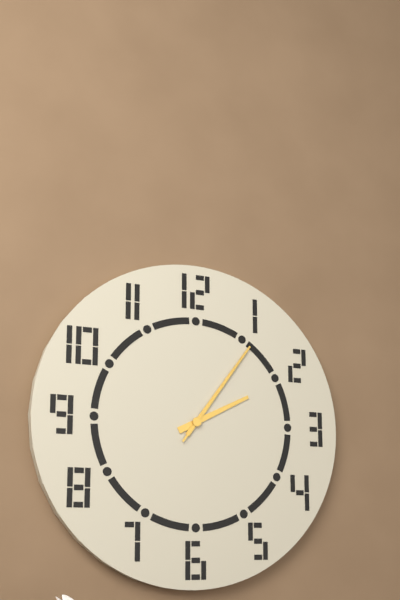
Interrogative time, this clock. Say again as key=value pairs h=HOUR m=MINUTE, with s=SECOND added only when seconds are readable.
h=2 m=6 s=6
